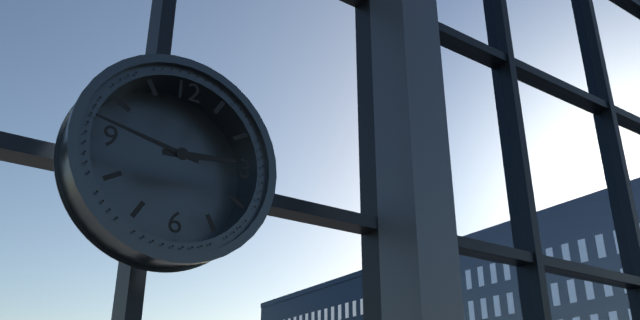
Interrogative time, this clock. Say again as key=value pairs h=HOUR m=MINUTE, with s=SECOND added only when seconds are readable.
h=2 m=47
